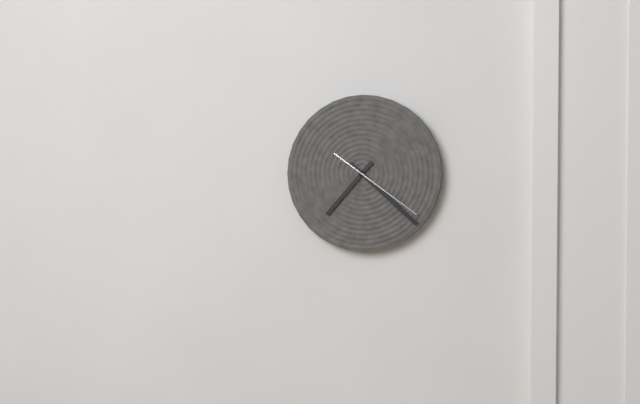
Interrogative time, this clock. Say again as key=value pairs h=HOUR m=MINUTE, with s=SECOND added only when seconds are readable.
h=7 m=22 s=21
